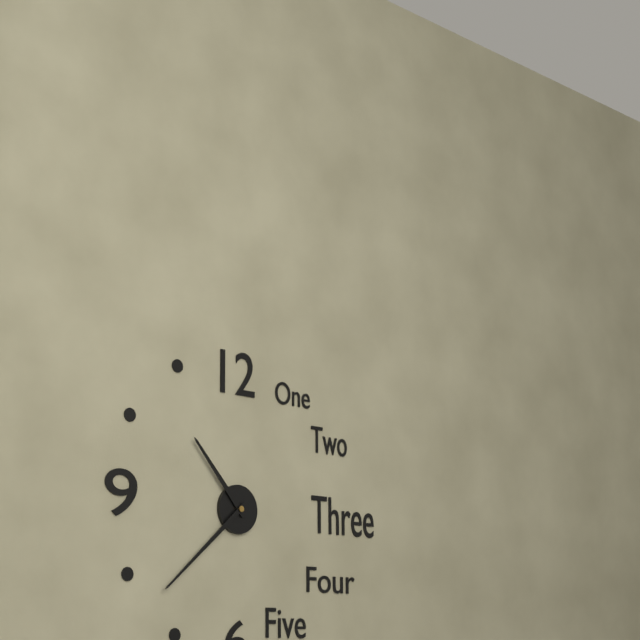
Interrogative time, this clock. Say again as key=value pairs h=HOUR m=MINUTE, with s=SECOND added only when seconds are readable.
h=10 m=38
